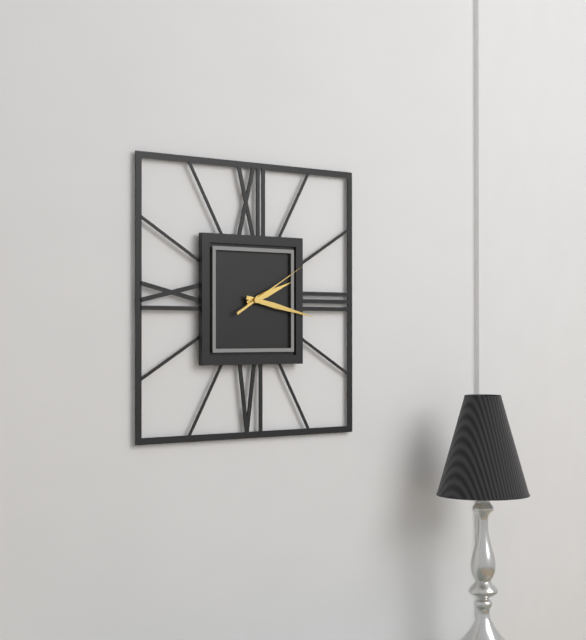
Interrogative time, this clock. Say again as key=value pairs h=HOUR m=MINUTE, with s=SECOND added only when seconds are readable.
h=2 m=17 s=10
